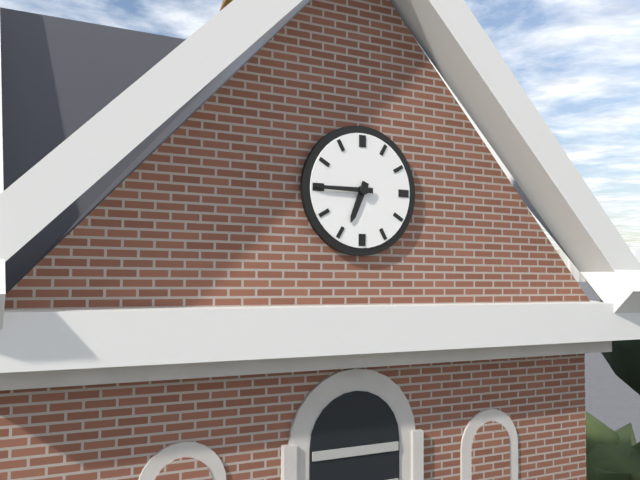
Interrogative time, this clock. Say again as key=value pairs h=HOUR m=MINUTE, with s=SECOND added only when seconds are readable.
h=6 m=45
